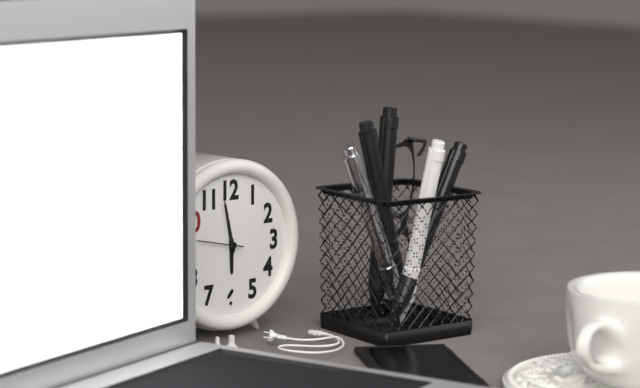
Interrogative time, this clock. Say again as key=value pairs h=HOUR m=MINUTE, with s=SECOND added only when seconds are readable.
h=5 m=58
